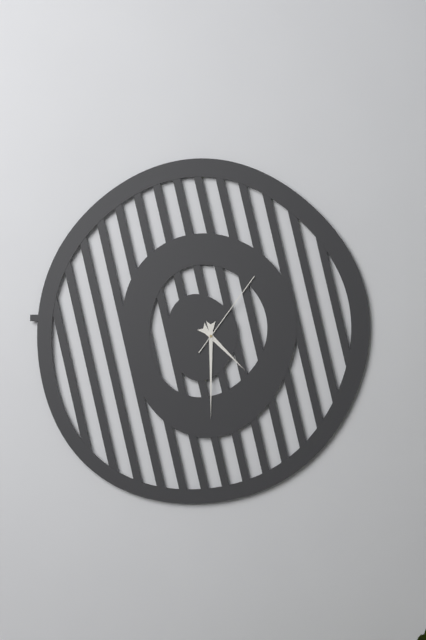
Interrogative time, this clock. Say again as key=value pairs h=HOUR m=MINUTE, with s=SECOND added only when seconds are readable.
h=4 m=30 s=6
